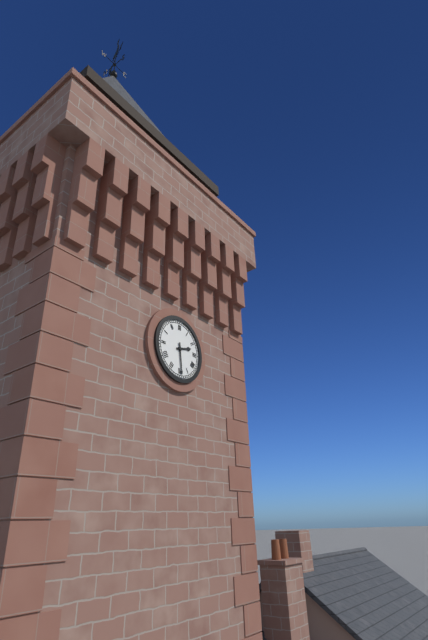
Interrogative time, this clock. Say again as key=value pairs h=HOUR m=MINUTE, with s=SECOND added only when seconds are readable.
h=2 m=29
